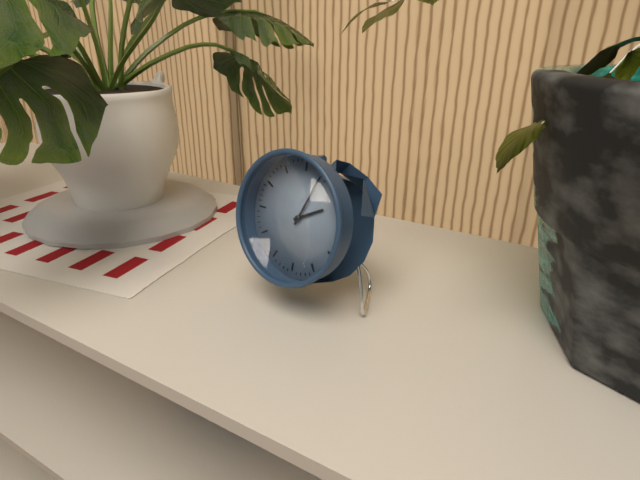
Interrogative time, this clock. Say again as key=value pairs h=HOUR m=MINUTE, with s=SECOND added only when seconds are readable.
h=2 m=4
